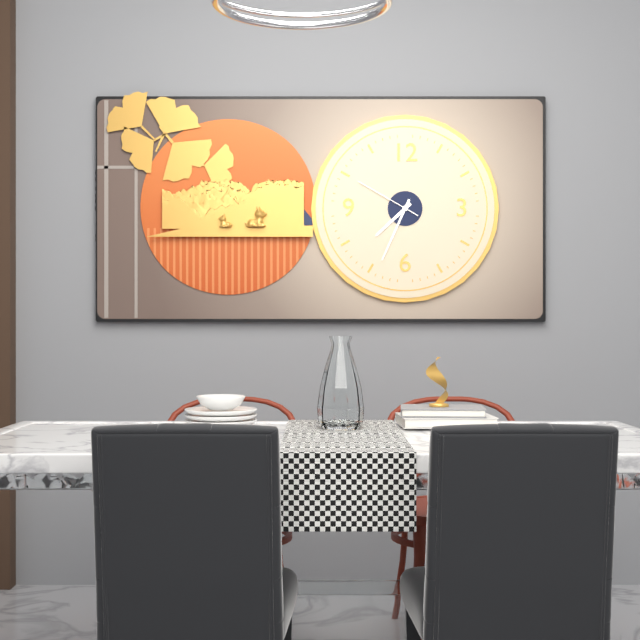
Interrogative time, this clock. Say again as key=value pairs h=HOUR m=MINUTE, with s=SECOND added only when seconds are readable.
h=7 m=34 s=50
